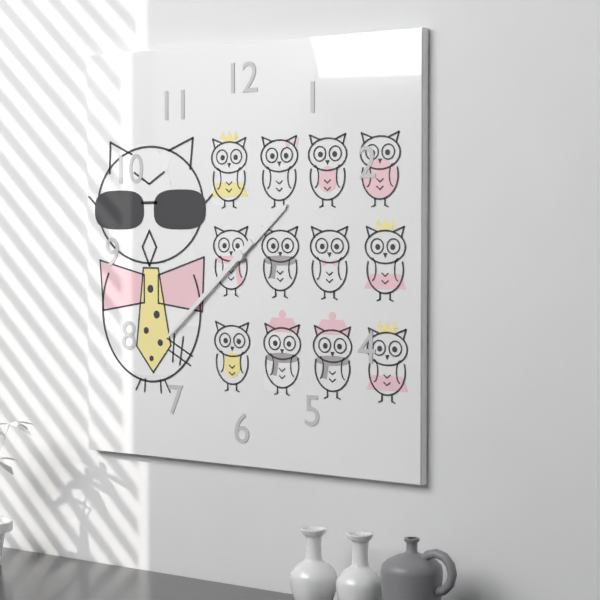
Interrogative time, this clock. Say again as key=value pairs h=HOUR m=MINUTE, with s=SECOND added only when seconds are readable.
h=1 m=38
